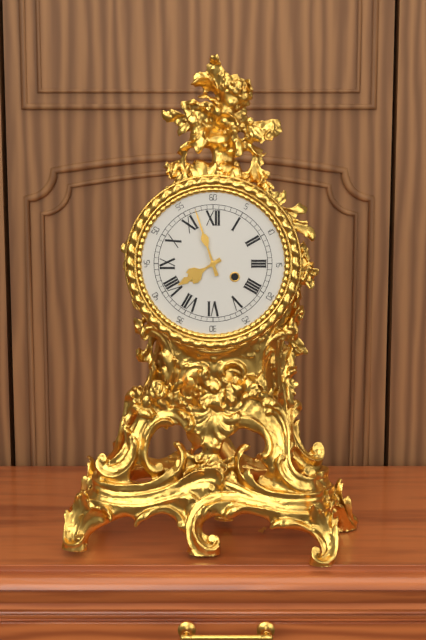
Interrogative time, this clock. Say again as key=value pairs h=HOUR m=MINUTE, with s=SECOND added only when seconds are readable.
h=7 m=57
